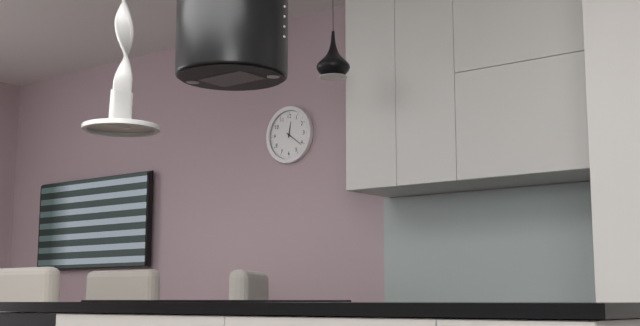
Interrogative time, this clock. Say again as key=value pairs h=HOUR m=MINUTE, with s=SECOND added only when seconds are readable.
h=12 m=21
